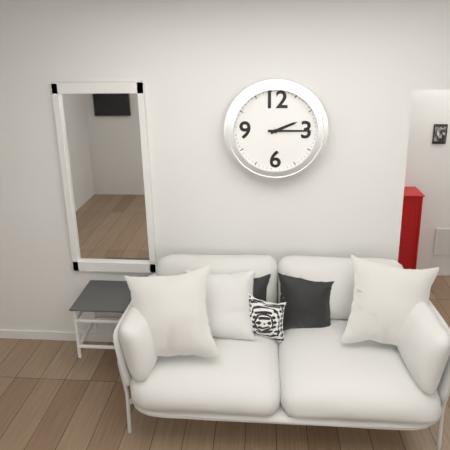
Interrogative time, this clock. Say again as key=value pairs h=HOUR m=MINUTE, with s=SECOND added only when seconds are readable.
h=2 m=15
